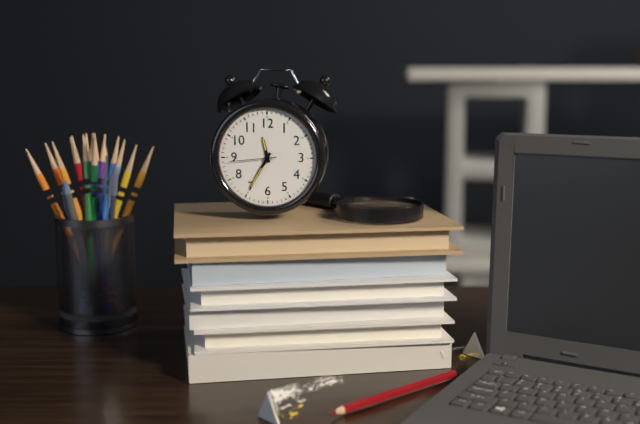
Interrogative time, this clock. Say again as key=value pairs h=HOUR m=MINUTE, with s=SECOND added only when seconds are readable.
h=11 m=35
